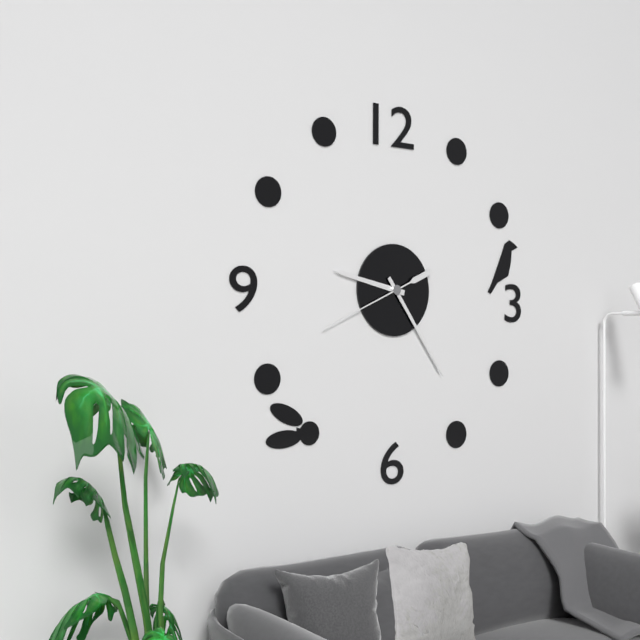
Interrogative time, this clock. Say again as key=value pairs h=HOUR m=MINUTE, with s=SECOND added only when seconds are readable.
h=9 m=24 s=41
